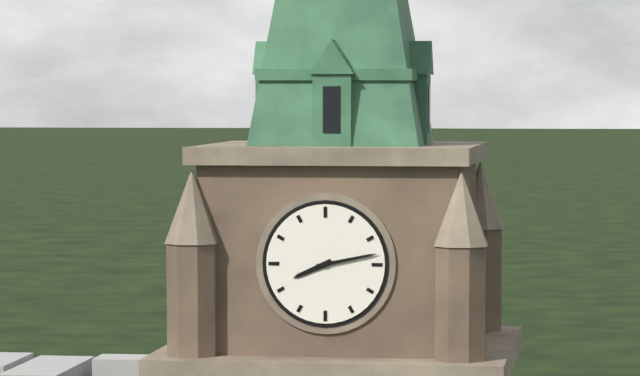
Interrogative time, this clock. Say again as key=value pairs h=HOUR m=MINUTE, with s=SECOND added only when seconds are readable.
h=8 m=13
